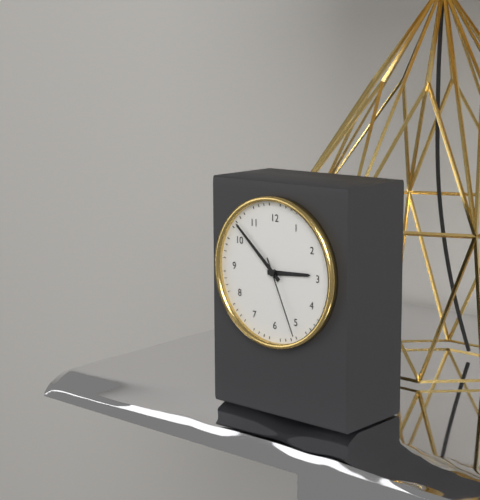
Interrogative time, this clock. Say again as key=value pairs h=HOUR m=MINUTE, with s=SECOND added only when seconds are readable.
h=2 m=52 s=26
